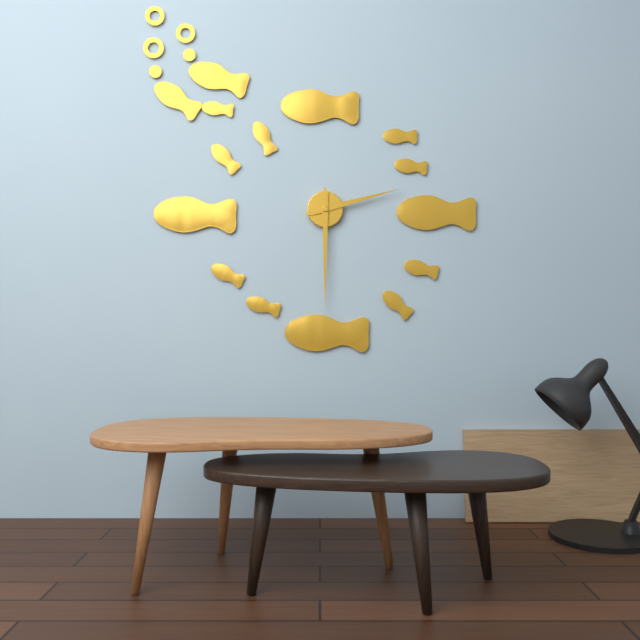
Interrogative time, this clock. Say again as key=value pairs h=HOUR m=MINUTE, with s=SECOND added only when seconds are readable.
h=2 m=30
